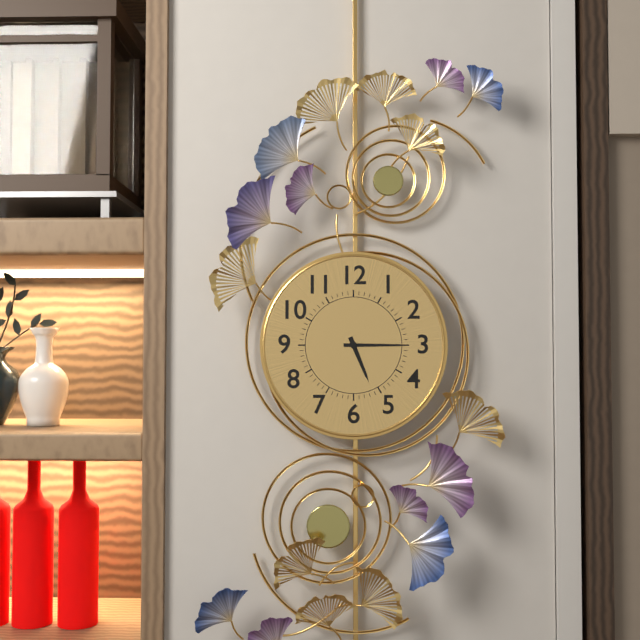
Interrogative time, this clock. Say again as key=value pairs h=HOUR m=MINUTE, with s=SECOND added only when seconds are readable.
h=5 m=15
